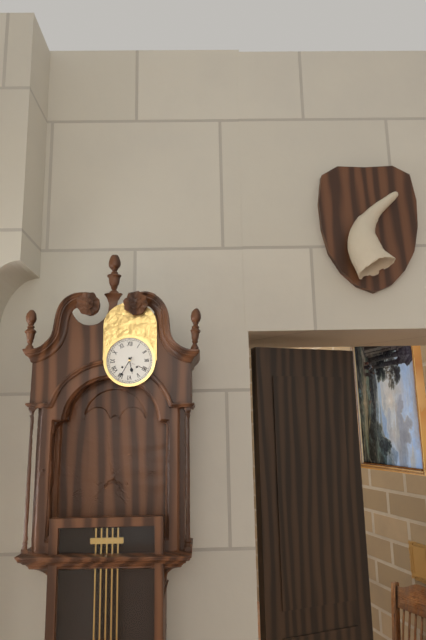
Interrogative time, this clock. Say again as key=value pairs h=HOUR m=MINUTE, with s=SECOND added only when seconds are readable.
h=5 m=35
